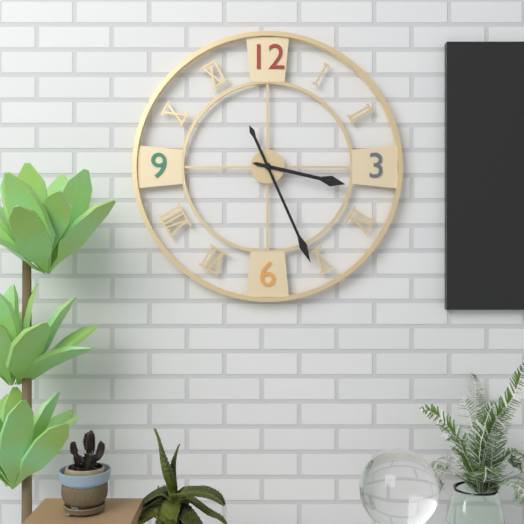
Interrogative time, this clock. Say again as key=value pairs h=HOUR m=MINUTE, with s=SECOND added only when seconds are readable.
h=3 m=26
